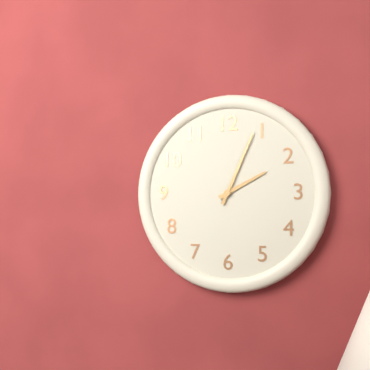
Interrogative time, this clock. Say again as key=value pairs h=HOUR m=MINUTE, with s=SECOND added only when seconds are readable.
h=2 m=4
